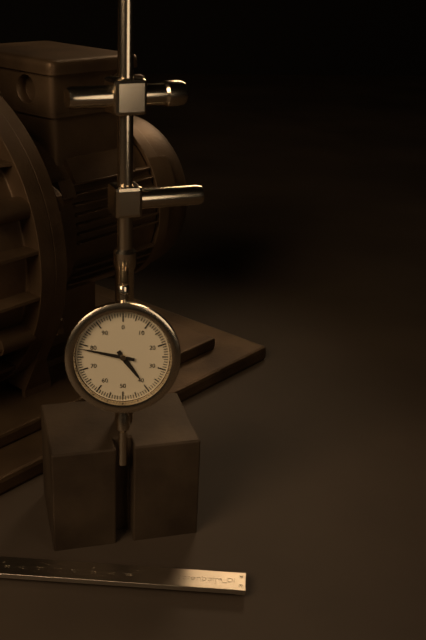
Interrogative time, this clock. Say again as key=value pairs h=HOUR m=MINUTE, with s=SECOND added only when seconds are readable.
h=4 m=47
